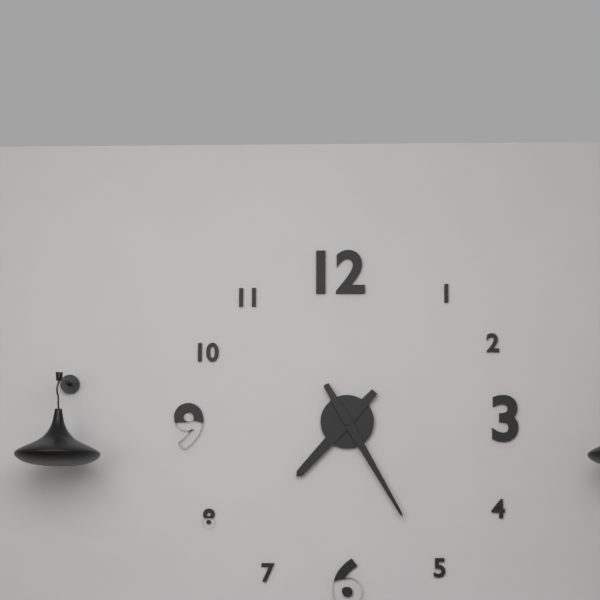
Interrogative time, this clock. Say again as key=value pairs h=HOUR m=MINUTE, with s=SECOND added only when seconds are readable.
h=7 m=25
